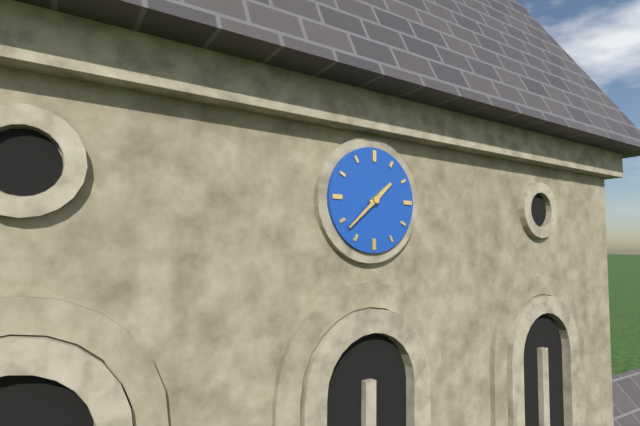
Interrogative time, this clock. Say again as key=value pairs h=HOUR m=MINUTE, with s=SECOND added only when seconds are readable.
h=1 m=38
